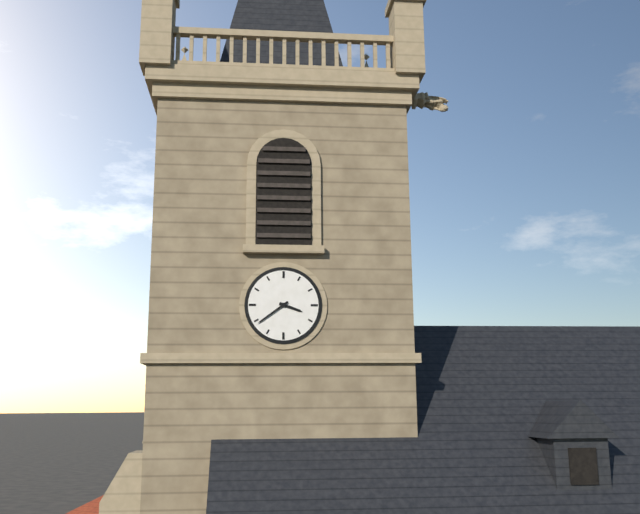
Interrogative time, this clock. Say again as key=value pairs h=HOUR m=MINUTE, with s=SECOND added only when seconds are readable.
h=3 m=39
